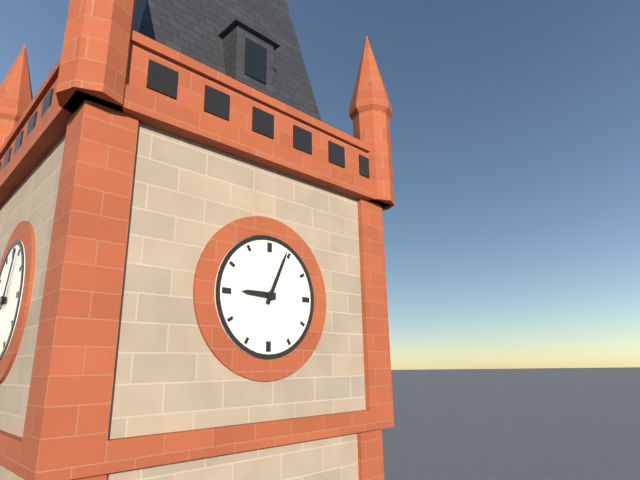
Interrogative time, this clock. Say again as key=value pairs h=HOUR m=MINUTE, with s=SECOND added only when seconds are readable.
h=9 m=4
